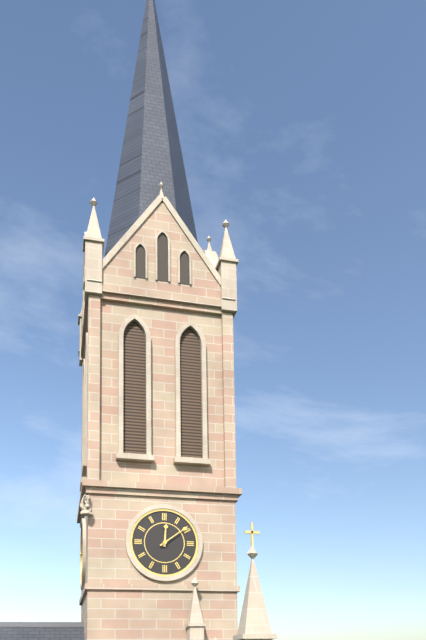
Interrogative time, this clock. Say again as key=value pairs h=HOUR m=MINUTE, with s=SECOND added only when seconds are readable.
h=12 m=9
